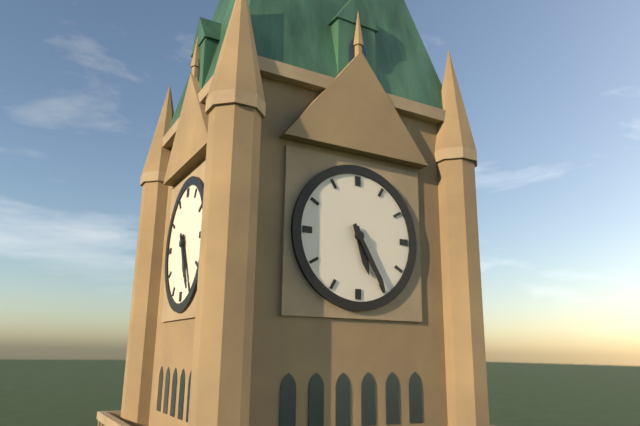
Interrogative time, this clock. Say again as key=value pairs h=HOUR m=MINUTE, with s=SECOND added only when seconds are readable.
h=5 m=25
